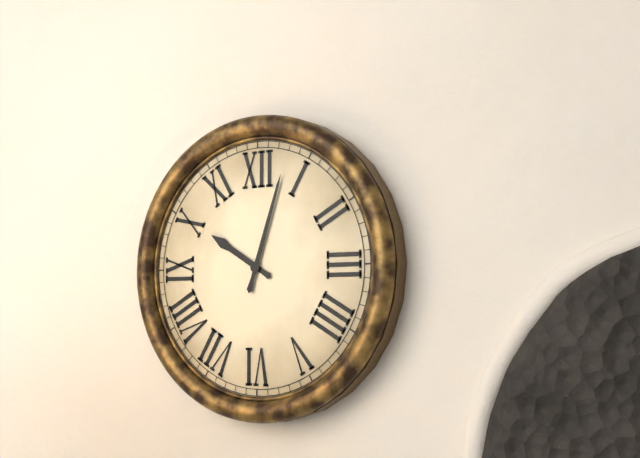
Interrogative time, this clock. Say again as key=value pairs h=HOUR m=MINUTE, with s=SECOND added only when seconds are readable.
h=10 m=3
